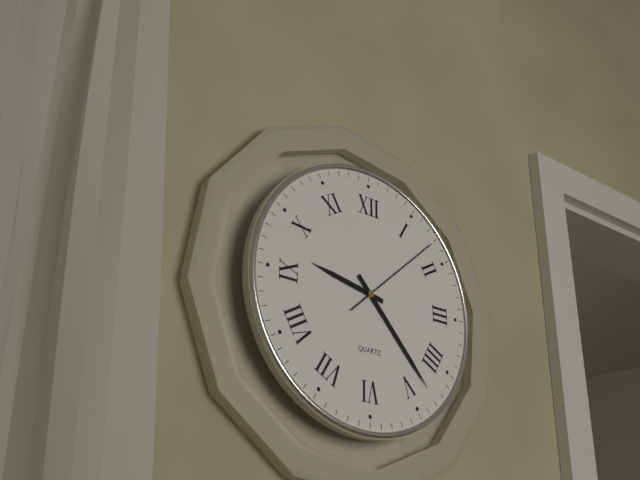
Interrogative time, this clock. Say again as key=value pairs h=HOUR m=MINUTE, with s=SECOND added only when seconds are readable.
h=9 m=23 s=8
